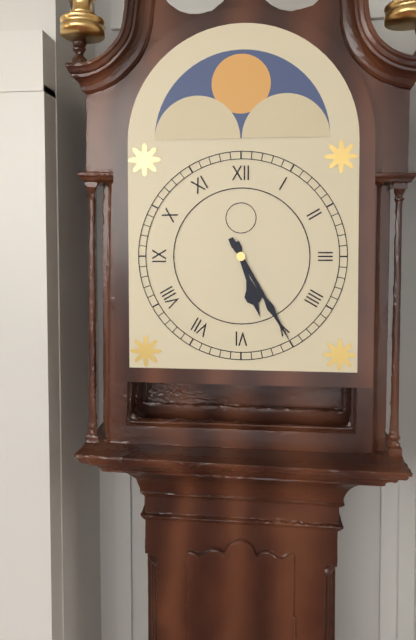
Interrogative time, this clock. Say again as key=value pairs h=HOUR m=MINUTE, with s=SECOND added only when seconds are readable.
h=5 m=25
